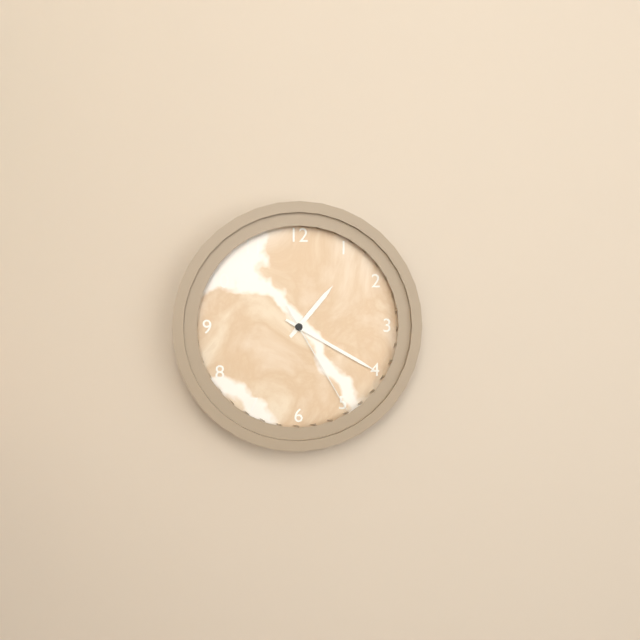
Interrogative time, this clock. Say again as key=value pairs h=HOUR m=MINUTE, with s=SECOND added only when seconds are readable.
h=1 m=20 s=25
